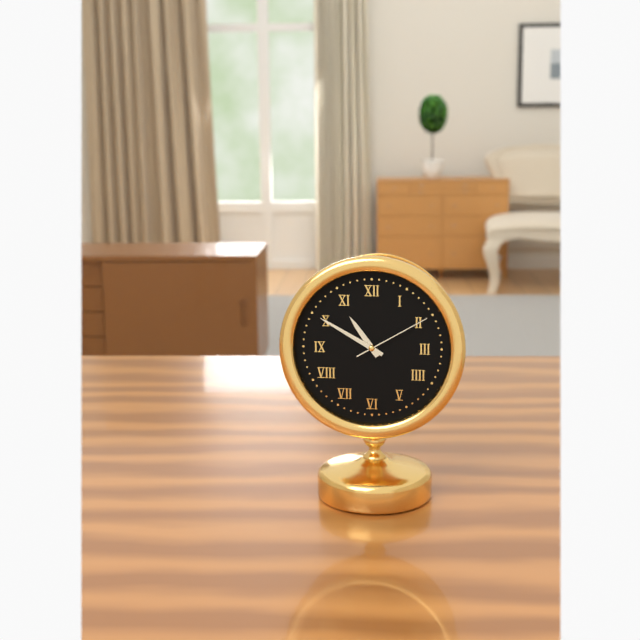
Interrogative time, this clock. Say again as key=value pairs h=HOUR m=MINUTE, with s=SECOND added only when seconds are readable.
h=10 m=50 s=10
